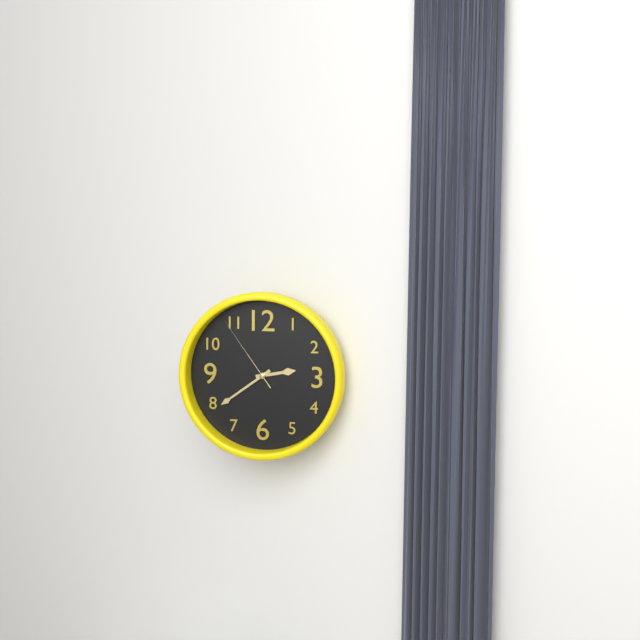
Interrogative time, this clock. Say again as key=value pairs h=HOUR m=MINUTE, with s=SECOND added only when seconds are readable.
h=2 m=39 s=54
